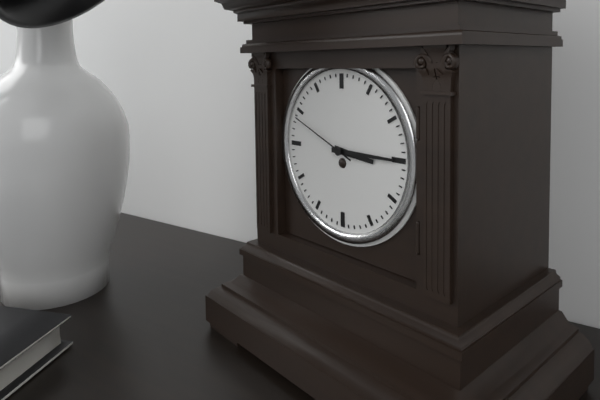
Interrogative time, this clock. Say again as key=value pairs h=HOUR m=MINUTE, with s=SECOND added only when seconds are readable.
h=3 m=15 s=49
